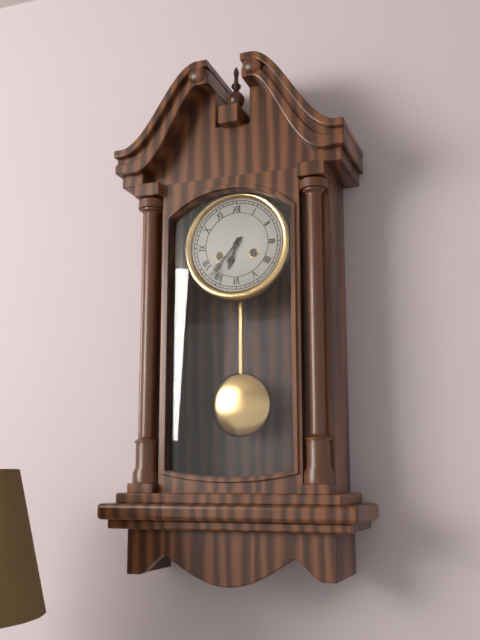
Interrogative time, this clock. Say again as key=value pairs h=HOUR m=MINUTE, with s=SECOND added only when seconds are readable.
h=6 m=37
